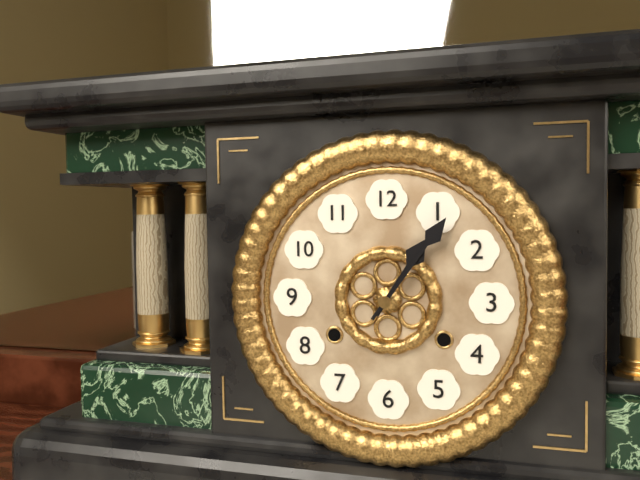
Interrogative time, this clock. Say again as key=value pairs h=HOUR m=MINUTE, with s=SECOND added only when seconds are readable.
h=1 m=6
